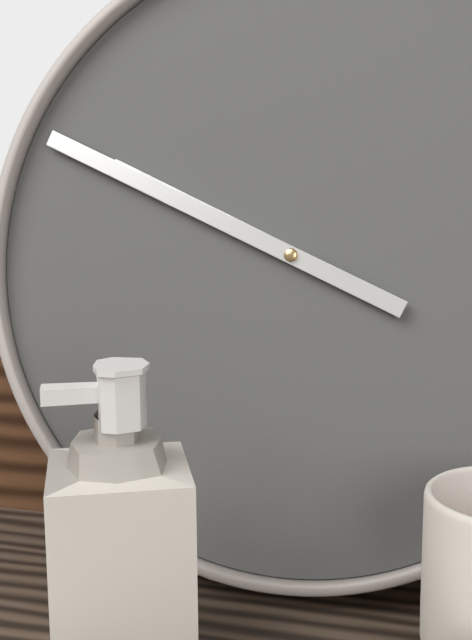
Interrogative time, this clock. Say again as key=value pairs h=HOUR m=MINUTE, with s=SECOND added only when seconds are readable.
h=9 m=49
